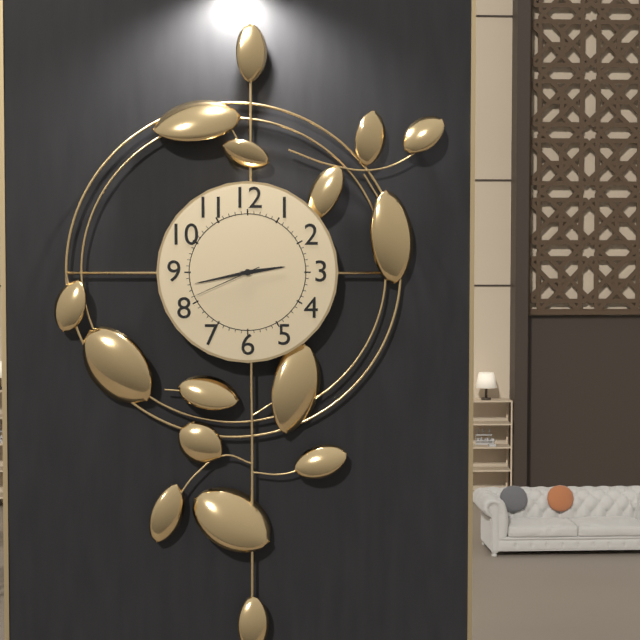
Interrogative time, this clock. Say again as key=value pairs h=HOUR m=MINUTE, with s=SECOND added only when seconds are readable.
h=2 m=43 s=41
